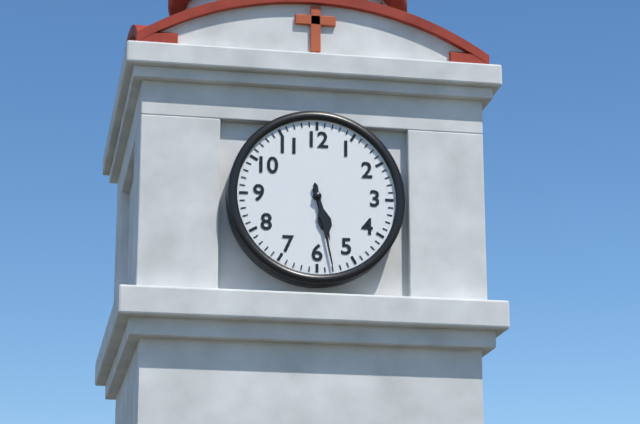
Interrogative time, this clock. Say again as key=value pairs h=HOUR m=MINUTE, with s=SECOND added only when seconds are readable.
h=5 m=28
